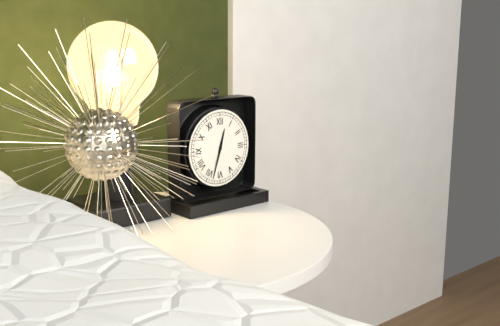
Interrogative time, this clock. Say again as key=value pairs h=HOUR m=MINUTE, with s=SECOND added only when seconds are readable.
h=12 m=33
